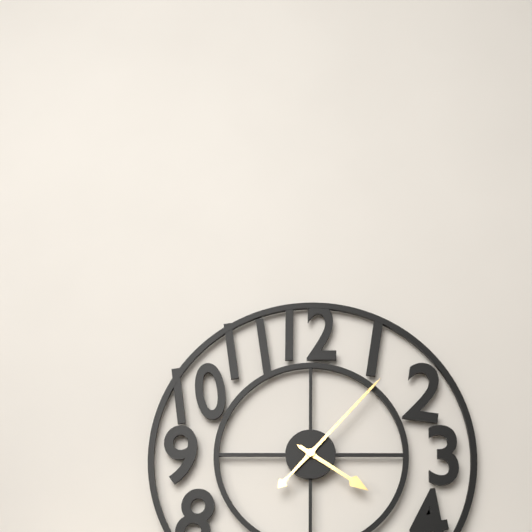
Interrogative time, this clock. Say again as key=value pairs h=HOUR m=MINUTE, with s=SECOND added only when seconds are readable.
h=4 m=7
